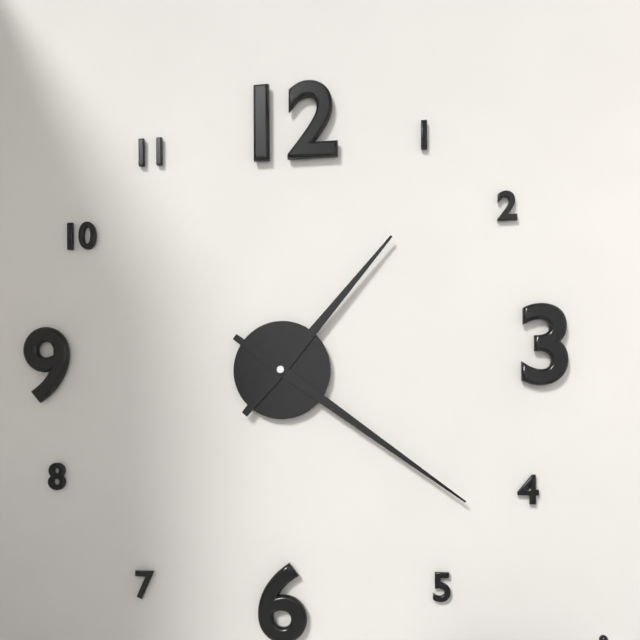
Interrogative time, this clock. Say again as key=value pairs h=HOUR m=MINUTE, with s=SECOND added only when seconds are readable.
h=1 m=21
